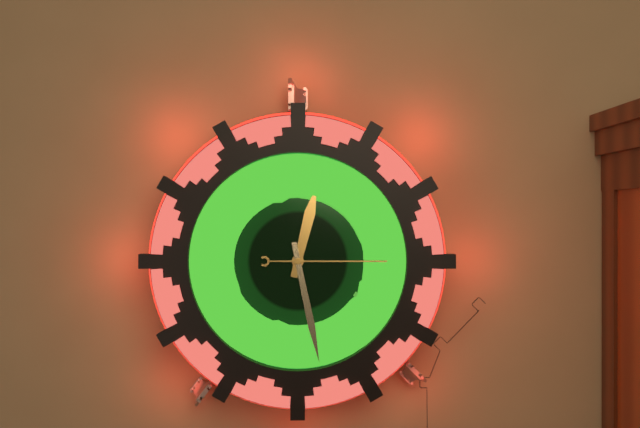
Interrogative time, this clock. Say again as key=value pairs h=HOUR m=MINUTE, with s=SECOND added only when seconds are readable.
h=12 m=28 s=15
